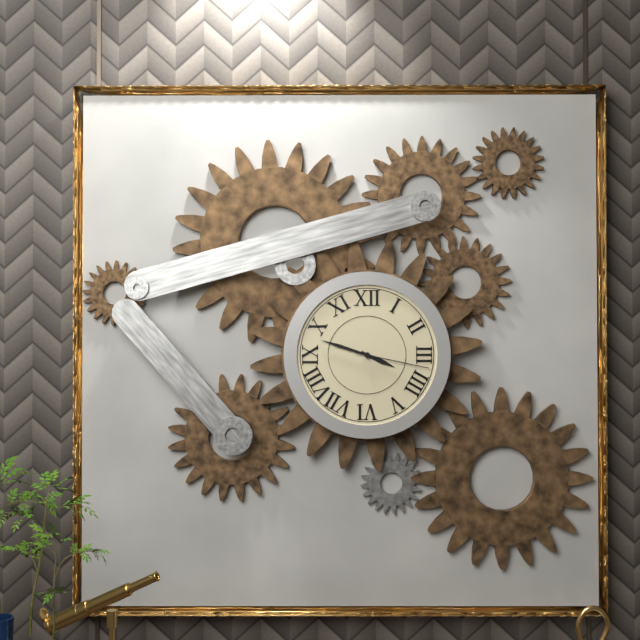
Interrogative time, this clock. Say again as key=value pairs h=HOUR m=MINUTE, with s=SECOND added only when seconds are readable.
h=3 m=48 s=17
